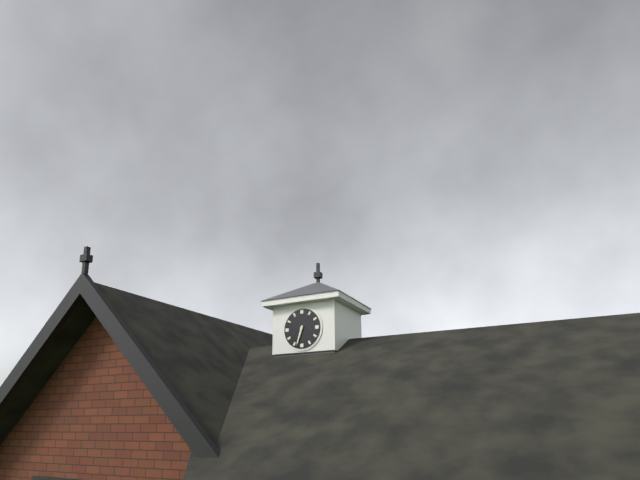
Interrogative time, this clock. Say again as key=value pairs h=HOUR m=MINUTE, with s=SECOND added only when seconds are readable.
h=6 m=33
